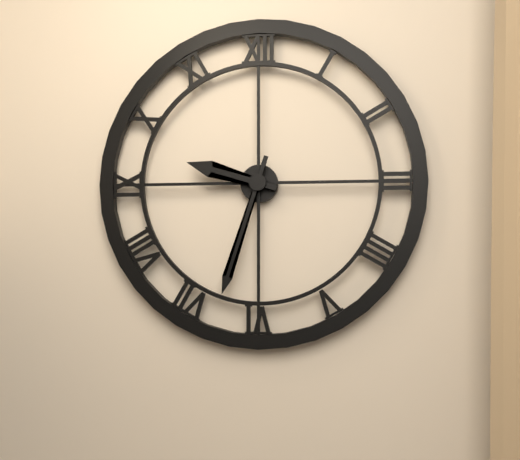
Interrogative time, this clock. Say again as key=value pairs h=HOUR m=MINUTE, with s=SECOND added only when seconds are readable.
h=9 m=33
